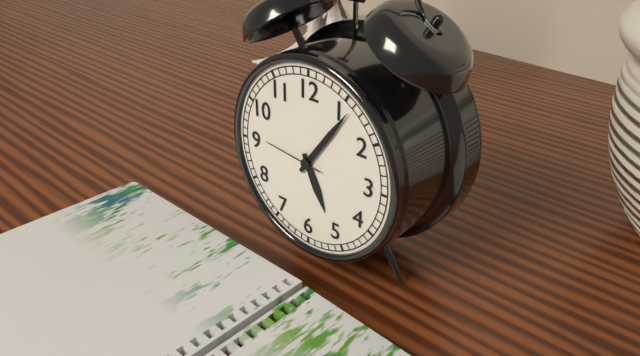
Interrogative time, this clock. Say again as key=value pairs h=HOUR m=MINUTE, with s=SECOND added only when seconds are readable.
h=5 m=6 s=46
